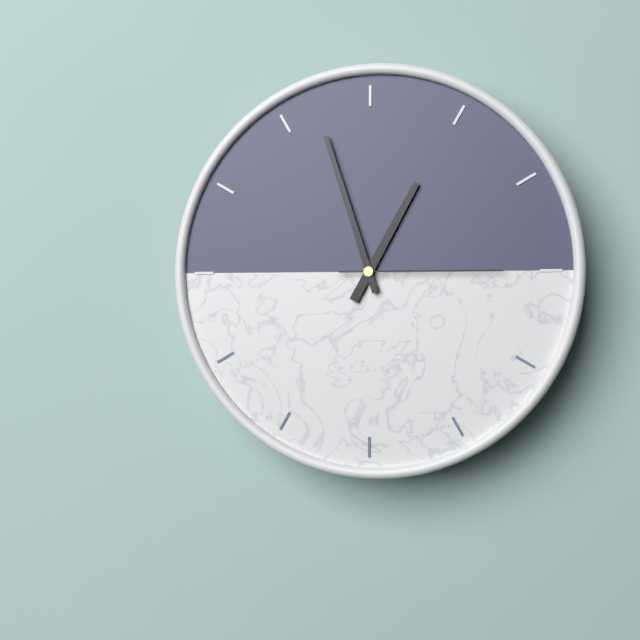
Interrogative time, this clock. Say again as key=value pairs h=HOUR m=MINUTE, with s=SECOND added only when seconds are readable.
h=12 m=57 s=15
